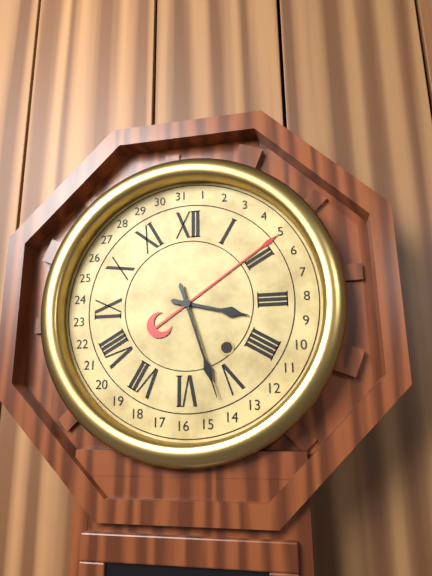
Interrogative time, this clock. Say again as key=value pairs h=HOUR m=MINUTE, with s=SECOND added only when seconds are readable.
h=3 m=27
